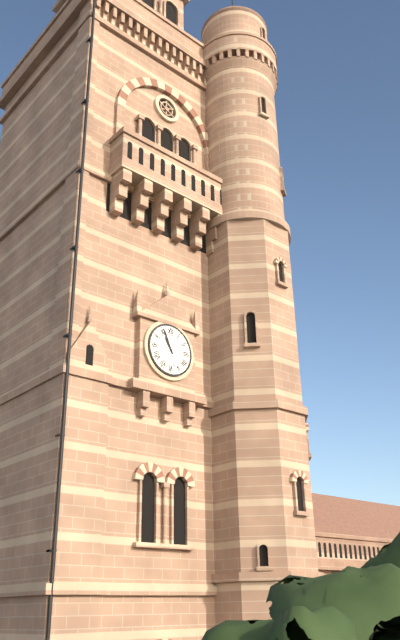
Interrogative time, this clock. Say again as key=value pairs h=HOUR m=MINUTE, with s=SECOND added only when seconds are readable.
h=10 m=56
